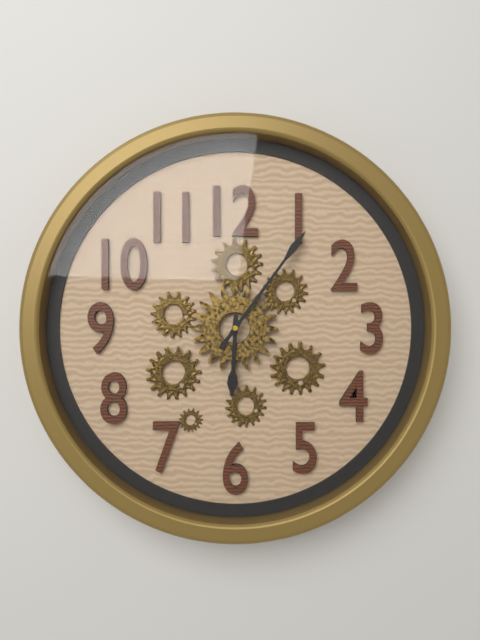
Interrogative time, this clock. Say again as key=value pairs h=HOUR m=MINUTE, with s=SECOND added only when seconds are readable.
h=6 m=6
